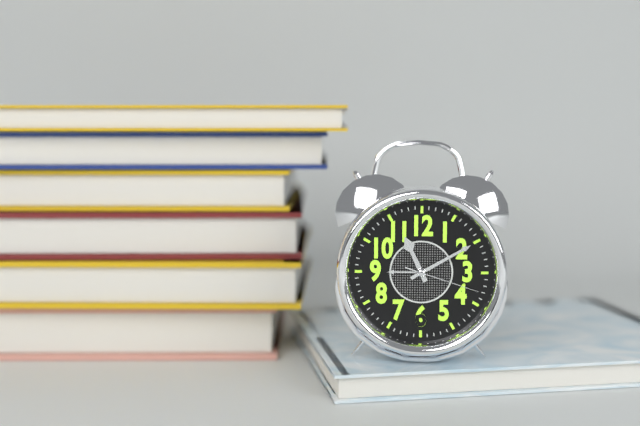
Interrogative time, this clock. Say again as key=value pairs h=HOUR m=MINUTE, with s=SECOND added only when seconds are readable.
h=11 m=10 s=18
